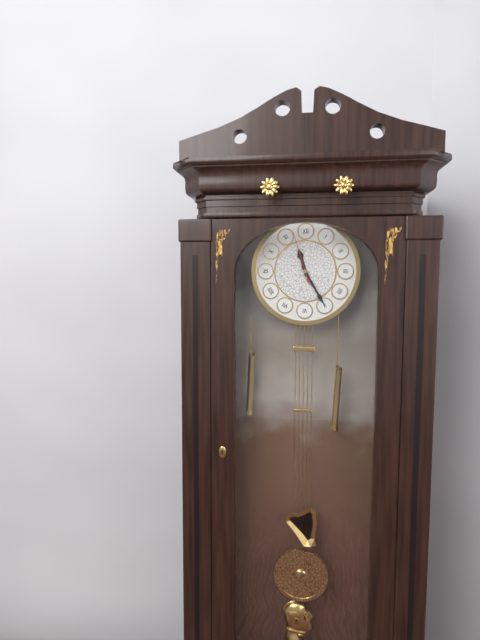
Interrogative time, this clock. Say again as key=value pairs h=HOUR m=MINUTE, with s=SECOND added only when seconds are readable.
h=11 m=25 s=57
